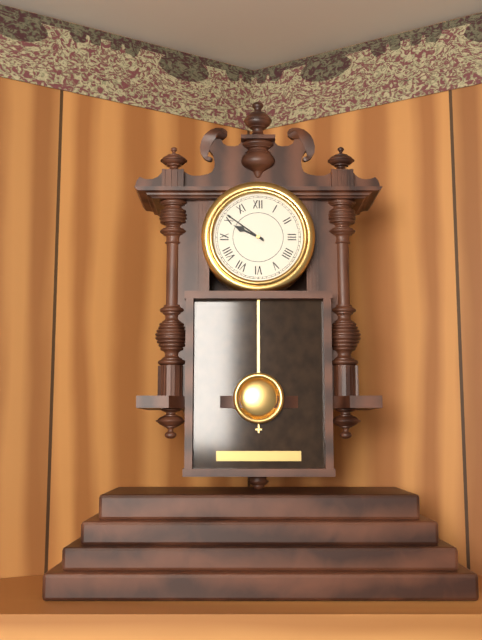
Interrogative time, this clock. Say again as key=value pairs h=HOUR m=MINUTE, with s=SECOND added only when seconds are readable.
h=9 m=51
